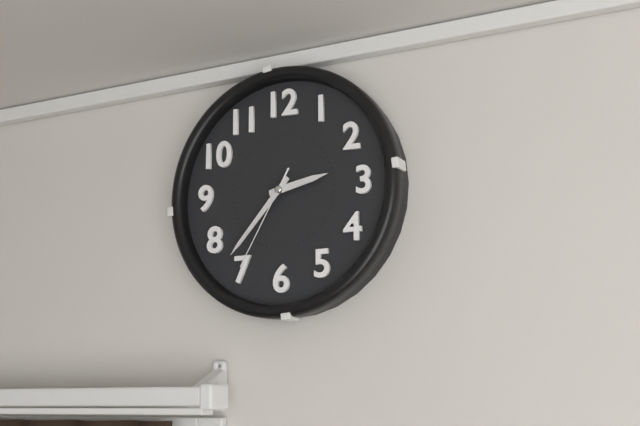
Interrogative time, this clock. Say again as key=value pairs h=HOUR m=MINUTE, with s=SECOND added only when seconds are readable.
h=2 m=37 s=35
